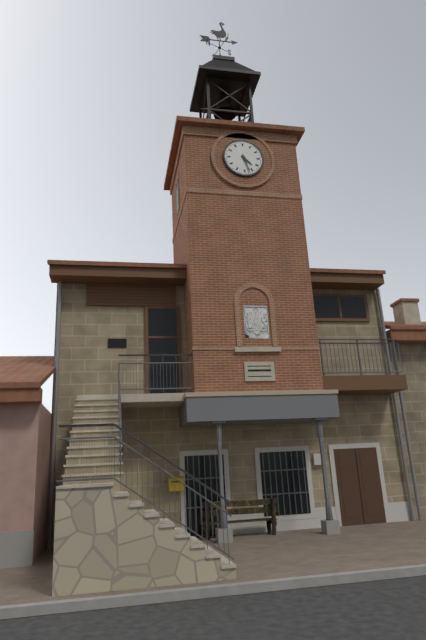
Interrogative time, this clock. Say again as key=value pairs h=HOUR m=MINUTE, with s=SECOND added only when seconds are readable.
h=4 m=27
